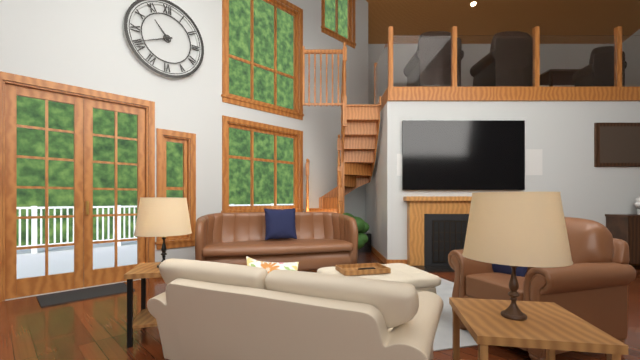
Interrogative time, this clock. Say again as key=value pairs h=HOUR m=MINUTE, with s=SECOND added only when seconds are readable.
h=10 m=41
